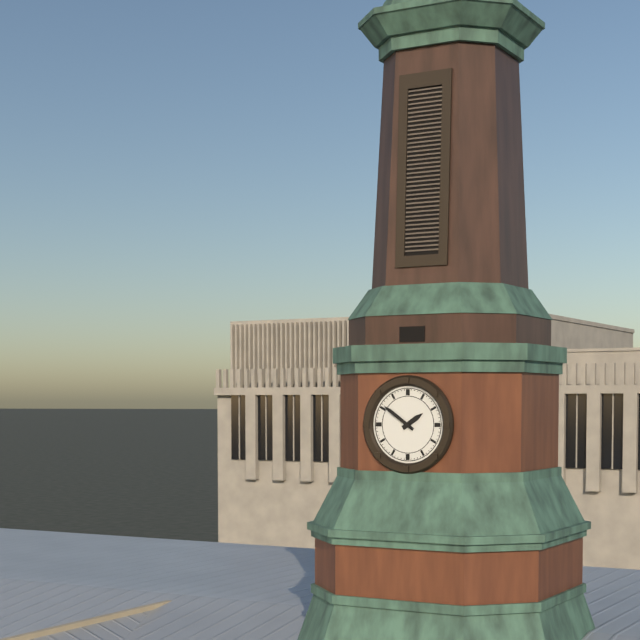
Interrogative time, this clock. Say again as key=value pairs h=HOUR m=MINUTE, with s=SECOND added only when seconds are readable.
h=1 m=51
